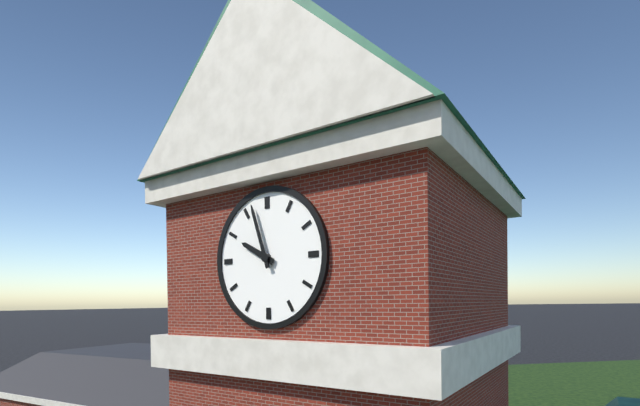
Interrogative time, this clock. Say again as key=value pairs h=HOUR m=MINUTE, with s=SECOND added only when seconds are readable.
h=9 m=57
